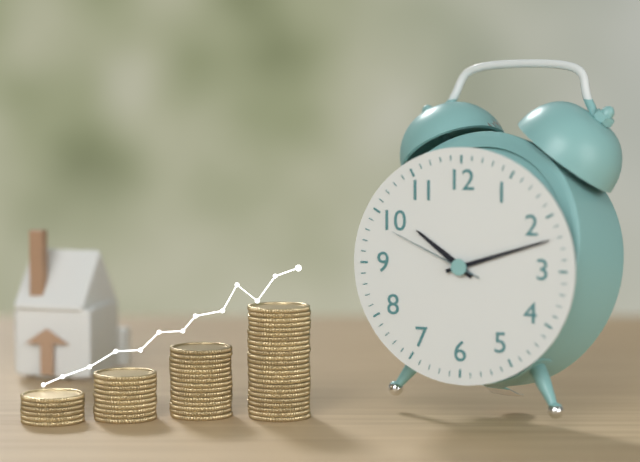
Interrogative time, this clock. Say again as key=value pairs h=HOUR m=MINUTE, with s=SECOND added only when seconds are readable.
h=10 m=12 s=49
